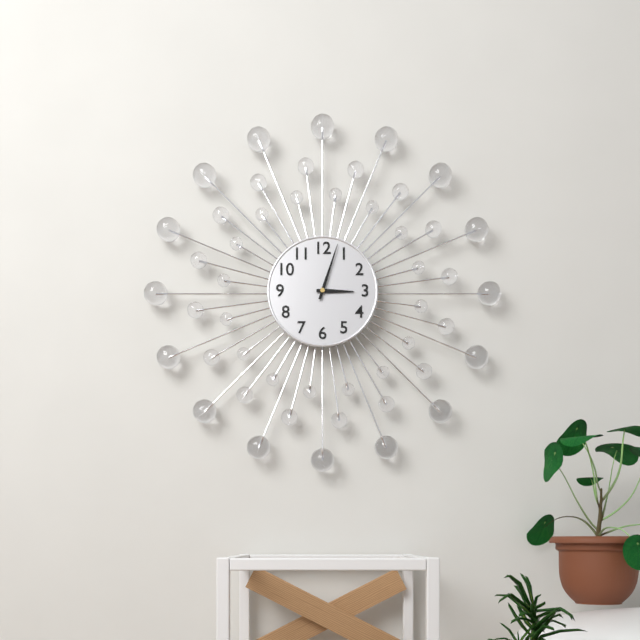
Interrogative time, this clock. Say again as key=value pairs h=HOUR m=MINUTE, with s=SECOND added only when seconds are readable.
h=3 m=3
